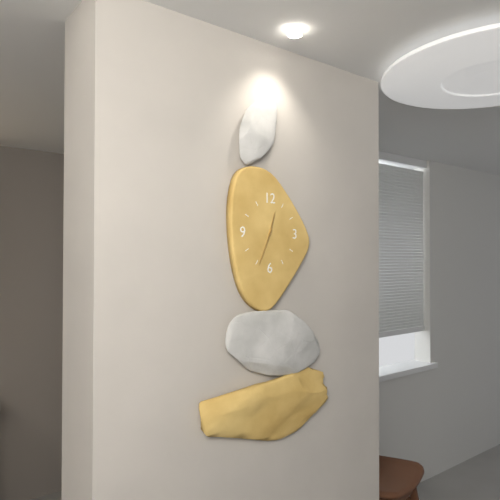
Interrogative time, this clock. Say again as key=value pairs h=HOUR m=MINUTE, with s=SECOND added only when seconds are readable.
h=12 m=34
